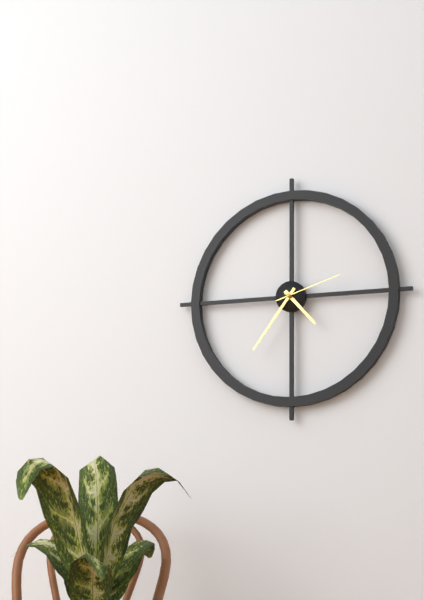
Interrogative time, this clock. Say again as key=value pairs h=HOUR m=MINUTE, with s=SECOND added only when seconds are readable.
h=4 m=36 s=12
